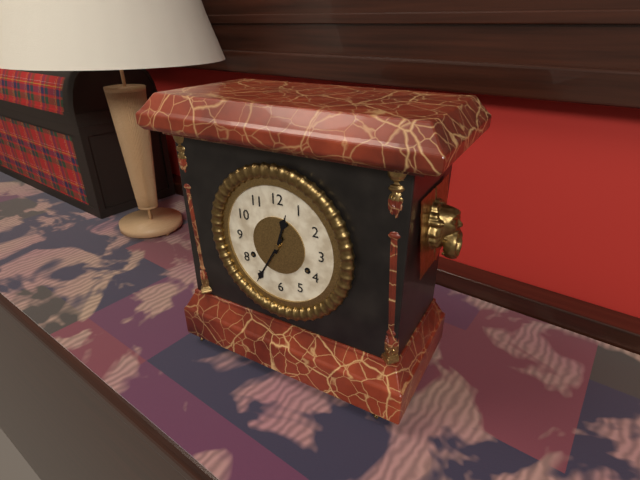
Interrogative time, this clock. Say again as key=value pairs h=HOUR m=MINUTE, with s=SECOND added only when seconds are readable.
h=12 m=35
